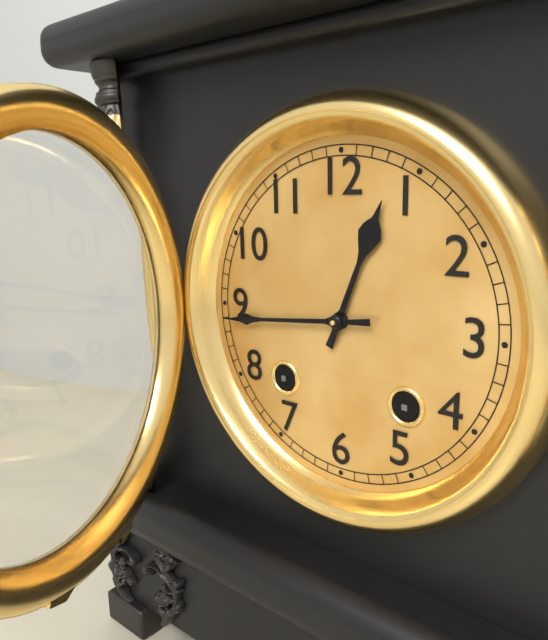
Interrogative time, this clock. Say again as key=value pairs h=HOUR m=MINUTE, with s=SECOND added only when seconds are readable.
h=12 m=44
